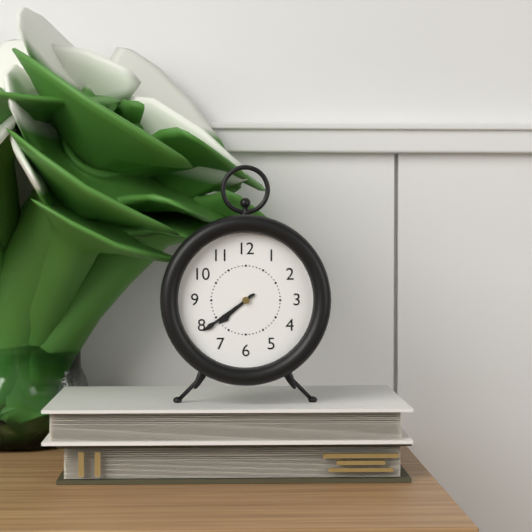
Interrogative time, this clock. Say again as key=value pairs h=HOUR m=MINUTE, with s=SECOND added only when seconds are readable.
h=7 m=39
